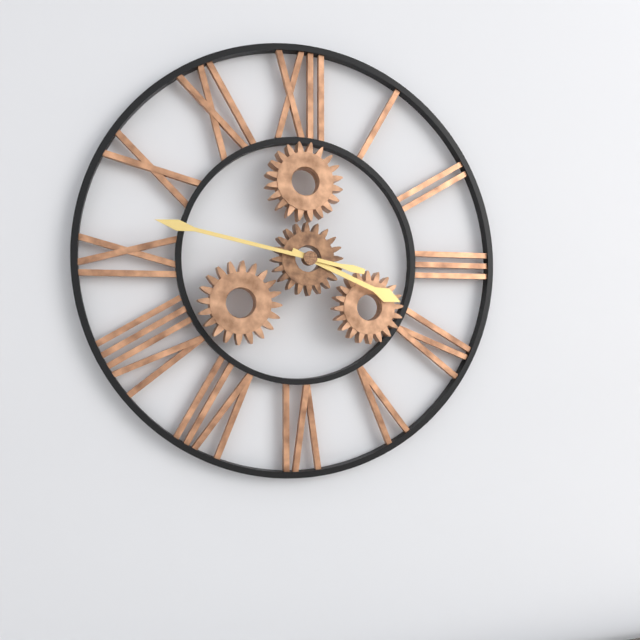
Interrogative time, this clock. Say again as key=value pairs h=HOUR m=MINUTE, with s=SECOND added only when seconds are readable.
h=3 m=47
